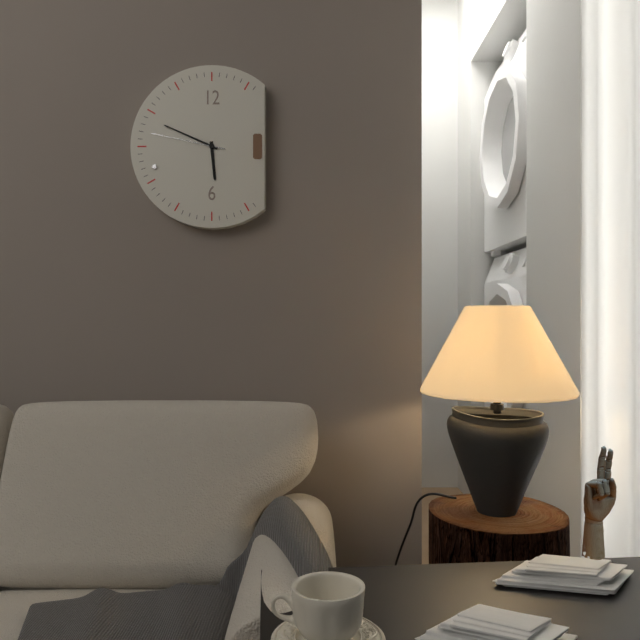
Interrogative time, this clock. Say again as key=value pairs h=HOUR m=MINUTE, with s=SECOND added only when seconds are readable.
h=5 m=49 s=47
